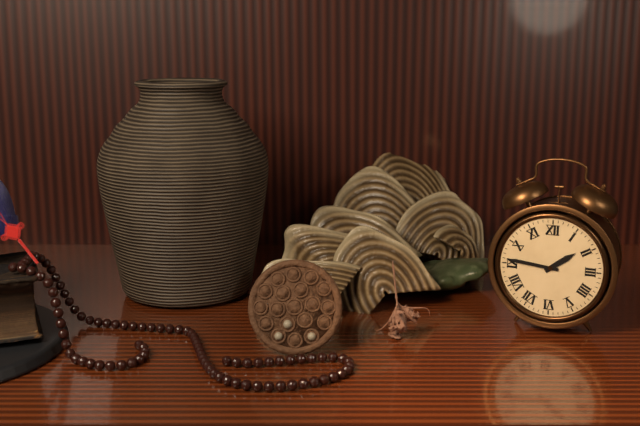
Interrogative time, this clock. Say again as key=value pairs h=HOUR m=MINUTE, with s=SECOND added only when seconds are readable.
h=1 m=46
